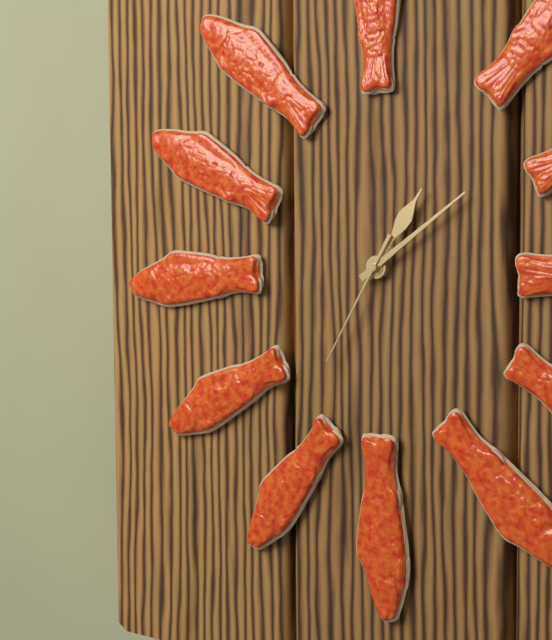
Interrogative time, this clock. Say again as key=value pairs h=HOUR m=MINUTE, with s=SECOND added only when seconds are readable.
h=1 m=9 s=35
